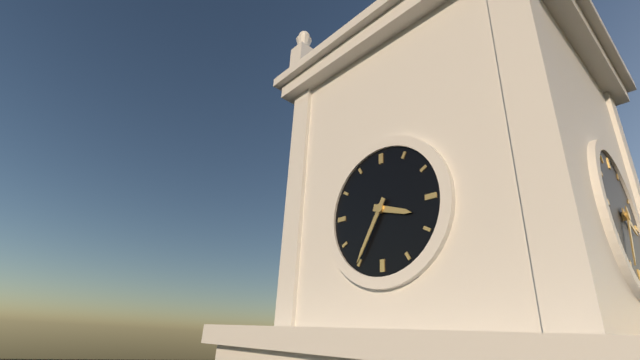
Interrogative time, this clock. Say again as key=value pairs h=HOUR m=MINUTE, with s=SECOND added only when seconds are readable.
h=3 m=35
